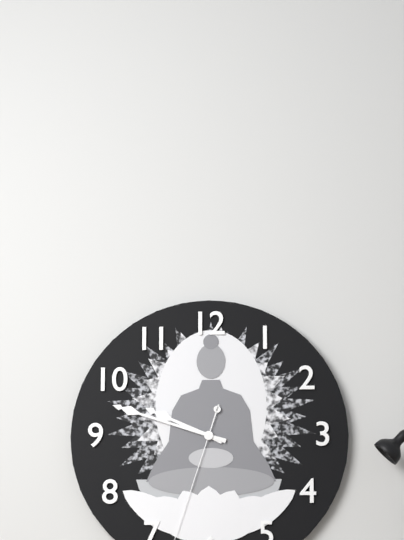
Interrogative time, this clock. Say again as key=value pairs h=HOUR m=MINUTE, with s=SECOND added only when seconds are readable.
h=9 m=48
